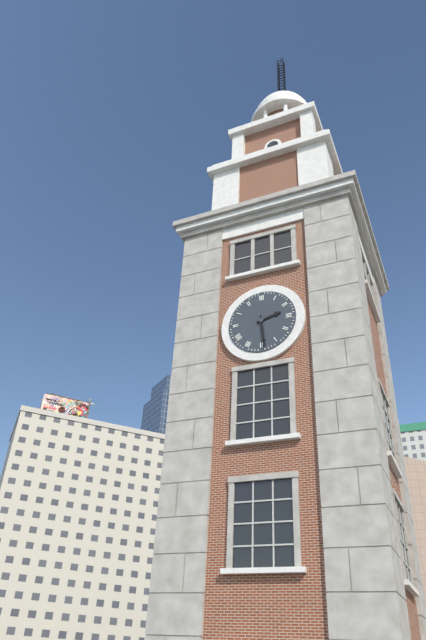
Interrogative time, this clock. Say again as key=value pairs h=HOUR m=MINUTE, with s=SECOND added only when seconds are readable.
h=2 m=29
